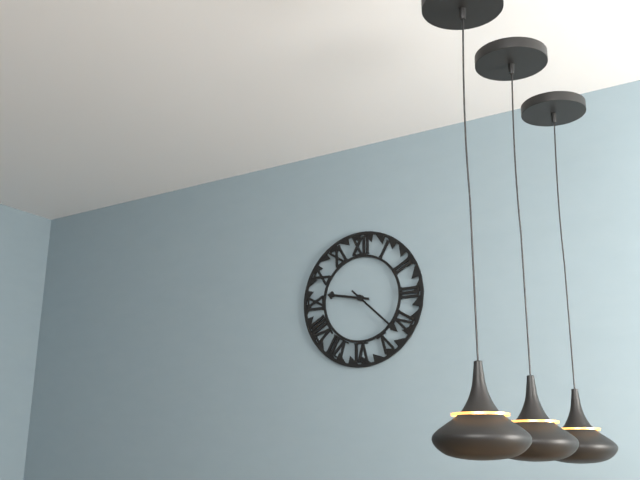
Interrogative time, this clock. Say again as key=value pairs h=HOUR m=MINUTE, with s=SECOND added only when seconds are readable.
h=9 m=22
